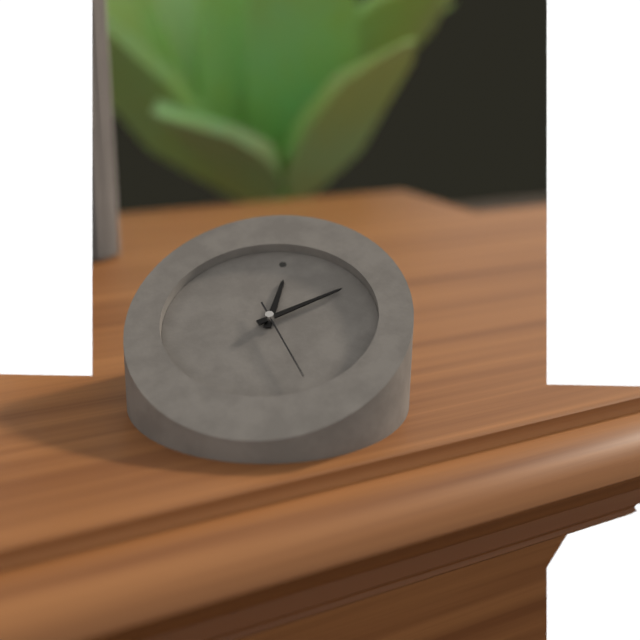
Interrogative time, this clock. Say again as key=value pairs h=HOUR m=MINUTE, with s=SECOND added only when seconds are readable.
h=12 m=9 s=25
